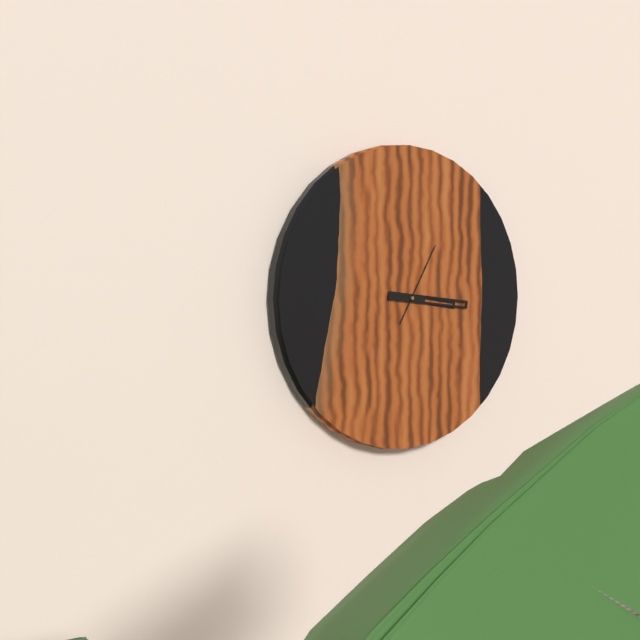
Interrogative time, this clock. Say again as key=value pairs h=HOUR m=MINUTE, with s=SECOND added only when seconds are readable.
h=3 m=16 s=5
